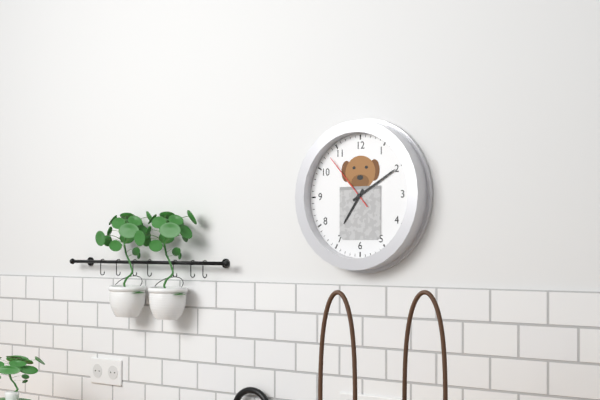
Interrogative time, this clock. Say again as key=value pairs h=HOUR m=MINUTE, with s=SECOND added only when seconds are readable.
h=7 m=10 s=53
